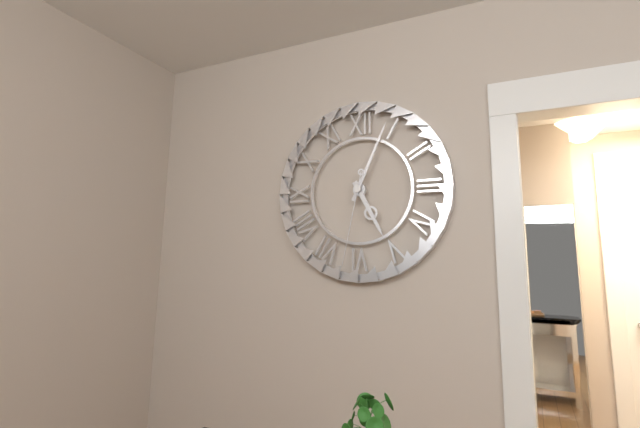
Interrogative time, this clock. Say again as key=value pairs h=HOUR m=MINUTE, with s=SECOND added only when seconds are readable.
h=5 m=4 s=32
